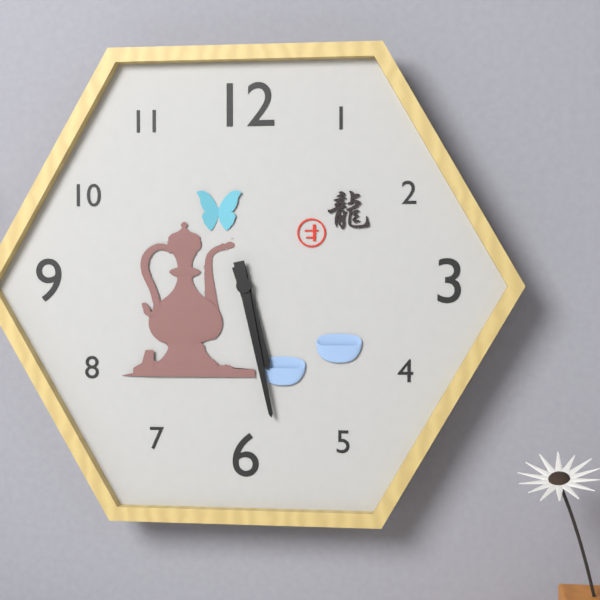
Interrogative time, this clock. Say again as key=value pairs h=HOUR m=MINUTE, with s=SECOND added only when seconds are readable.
h=5 m=28
